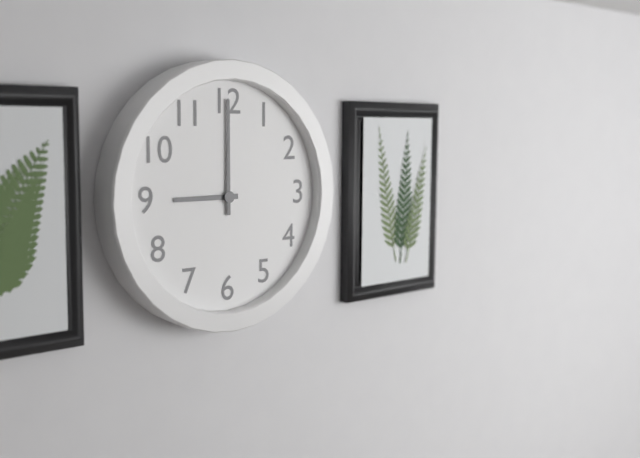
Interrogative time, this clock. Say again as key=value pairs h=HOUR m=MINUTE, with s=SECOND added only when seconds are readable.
h=9 m=0
